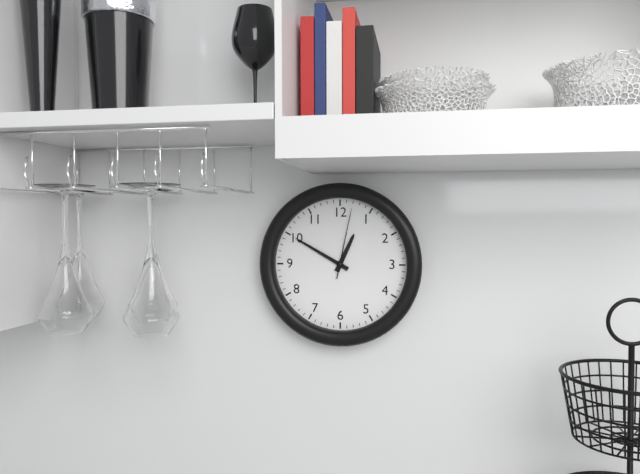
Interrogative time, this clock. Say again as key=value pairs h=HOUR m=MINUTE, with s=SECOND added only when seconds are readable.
h=12 m=50 s=2
